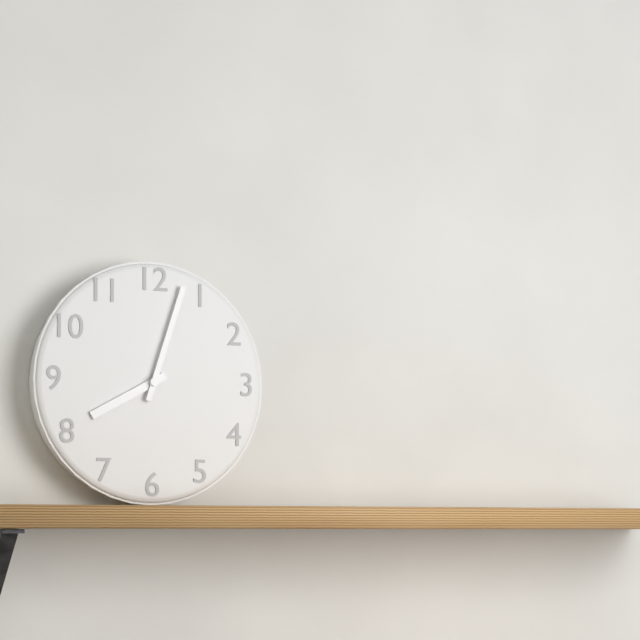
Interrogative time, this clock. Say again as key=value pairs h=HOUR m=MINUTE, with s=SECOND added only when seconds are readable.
h=8 m=3
